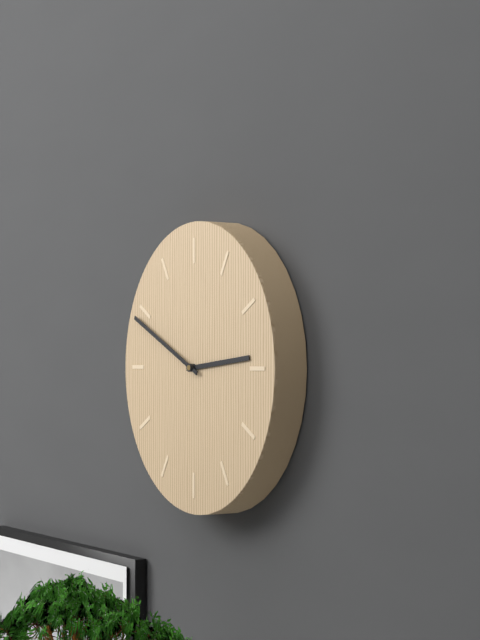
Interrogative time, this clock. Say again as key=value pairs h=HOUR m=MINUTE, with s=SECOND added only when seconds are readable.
h=2 m=49
